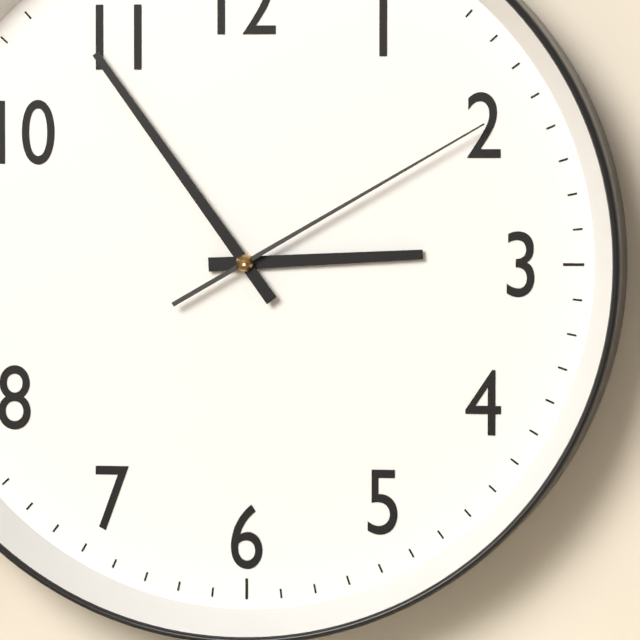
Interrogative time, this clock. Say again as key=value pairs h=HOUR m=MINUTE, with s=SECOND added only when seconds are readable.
h=2 m=54 s=10
